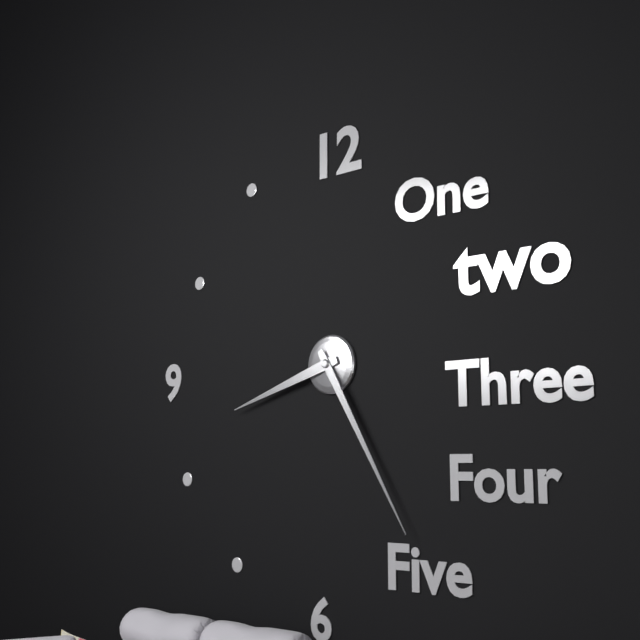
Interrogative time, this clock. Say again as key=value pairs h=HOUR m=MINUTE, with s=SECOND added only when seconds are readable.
h=8 m=25
